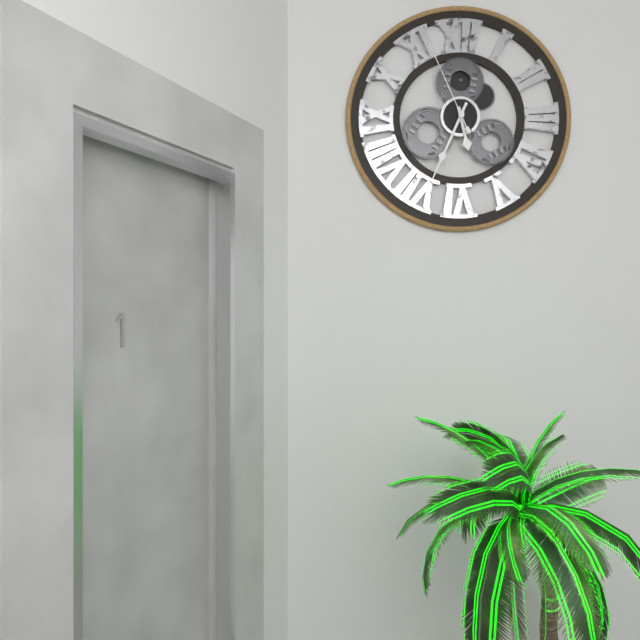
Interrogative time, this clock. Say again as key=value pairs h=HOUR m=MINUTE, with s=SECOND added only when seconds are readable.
h=5 m=34 s=56
